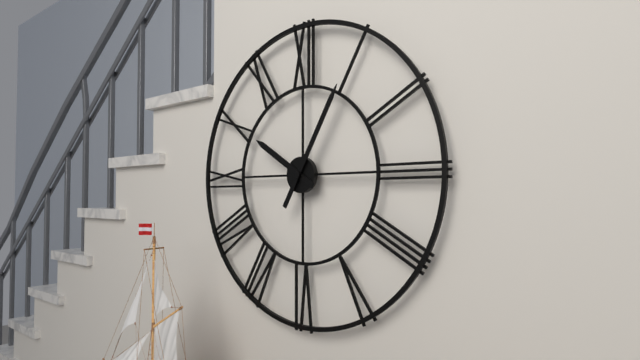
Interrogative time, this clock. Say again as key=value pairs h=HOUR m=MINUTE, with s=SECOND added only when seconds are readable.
h=10 m=5
